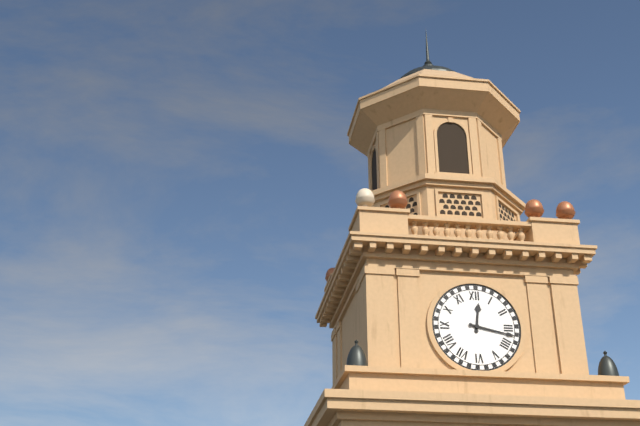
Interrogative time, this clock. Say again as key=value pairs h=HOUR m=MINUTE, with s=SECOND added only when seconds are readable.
h=12 m=17
